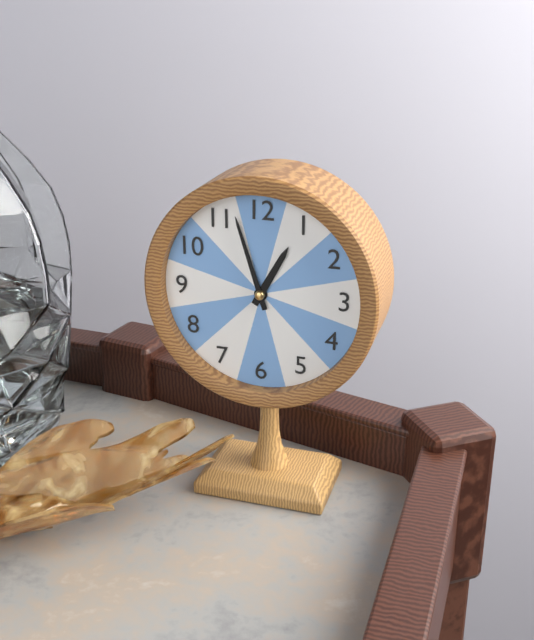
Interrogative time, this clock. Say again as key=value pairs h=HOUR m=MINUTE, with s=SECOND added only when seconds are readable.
h=12 m=57
